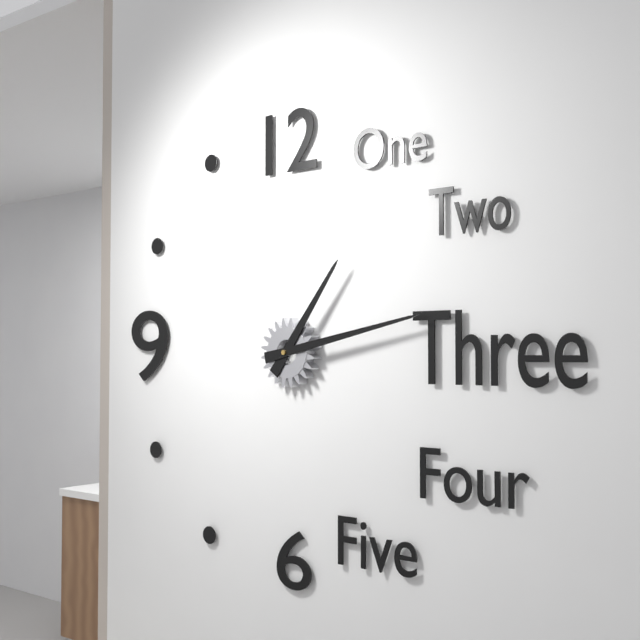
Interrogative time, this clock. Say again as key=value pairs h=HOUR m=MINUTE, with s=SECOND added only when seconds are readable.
h=1 m=13
